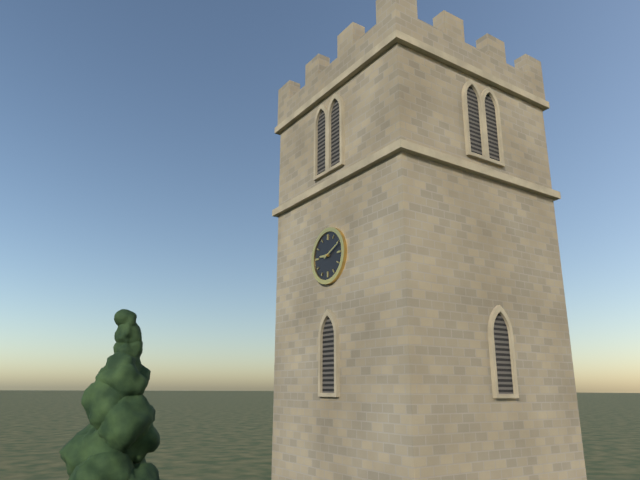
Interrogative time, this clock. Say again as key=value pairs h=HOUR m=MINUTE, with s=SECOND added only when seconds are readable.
h=9 m=11
